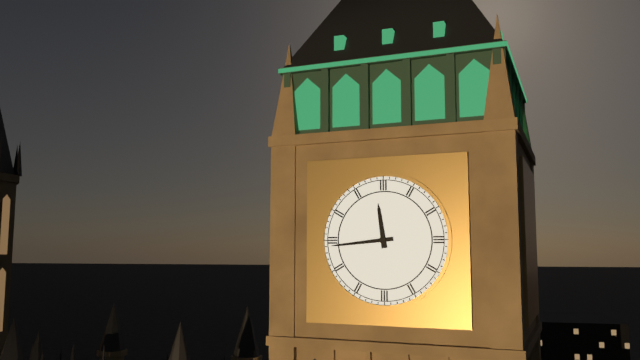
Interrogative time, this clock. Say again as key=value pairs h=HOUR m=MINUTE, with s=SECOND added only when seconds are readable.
h=11 m=44
